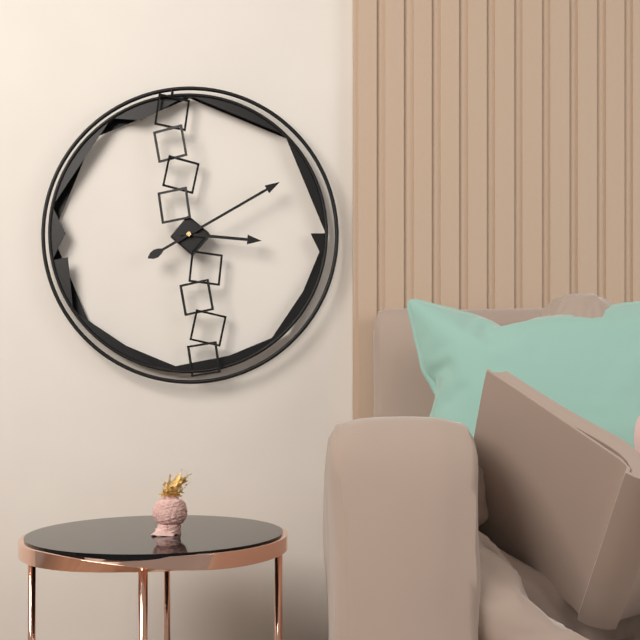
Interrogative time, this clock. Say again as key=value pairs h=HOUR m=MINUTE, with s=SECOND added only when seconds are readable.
h=3 m=10
